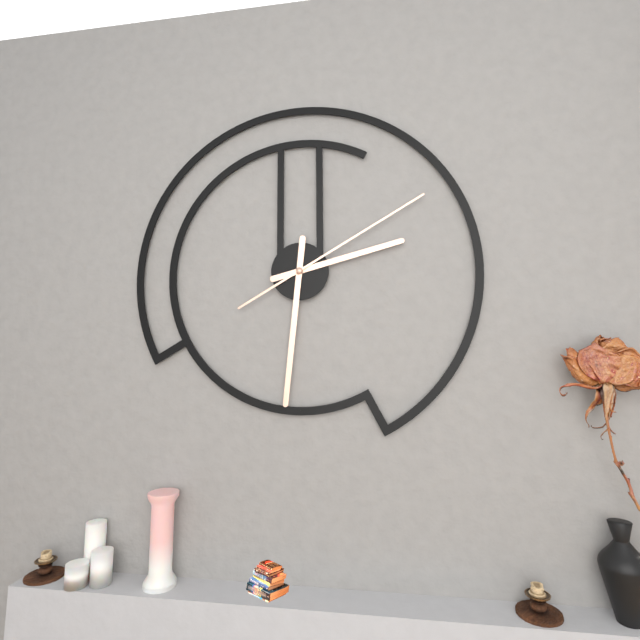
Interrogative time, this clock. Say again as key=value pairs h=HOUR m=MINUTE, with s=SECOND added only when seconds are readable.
h=2 m=31 s=10
